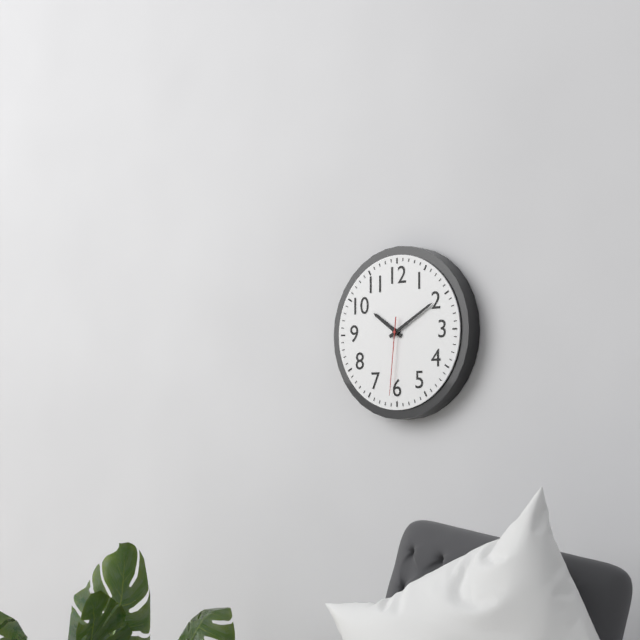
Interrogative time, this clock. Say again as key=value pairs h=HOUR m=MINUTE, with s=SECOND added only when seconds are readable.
h=10 m=10 s=31
